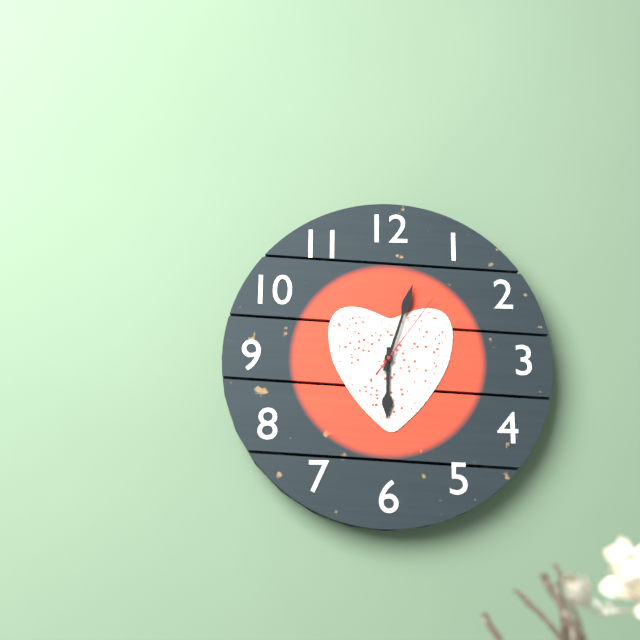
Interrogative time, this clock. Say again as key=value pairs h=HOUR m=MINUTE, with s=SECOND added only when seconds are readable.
h=6 m=3 s=6
